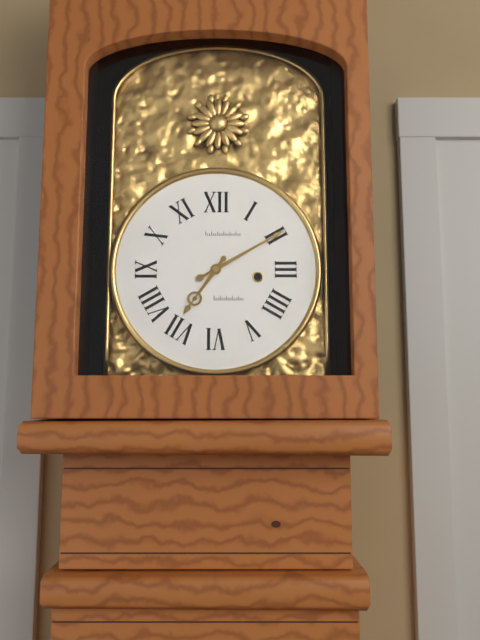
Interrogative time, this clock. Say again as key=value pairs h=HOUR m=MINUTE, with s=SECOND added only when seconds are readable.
h=7 m=10
